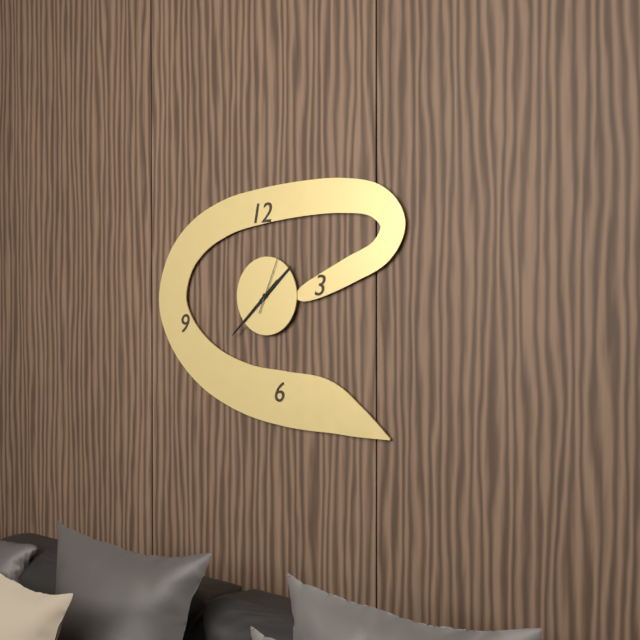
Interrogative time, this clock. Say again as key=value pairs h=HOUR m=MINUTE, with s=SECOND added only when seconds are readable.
h=1 m=38 s=4
